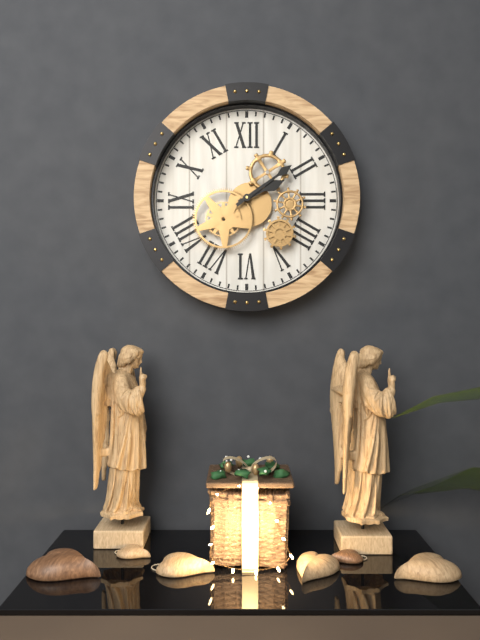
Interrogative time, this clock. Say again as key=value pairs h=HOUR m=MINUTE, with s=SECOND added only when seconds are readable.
h=2 m=9
